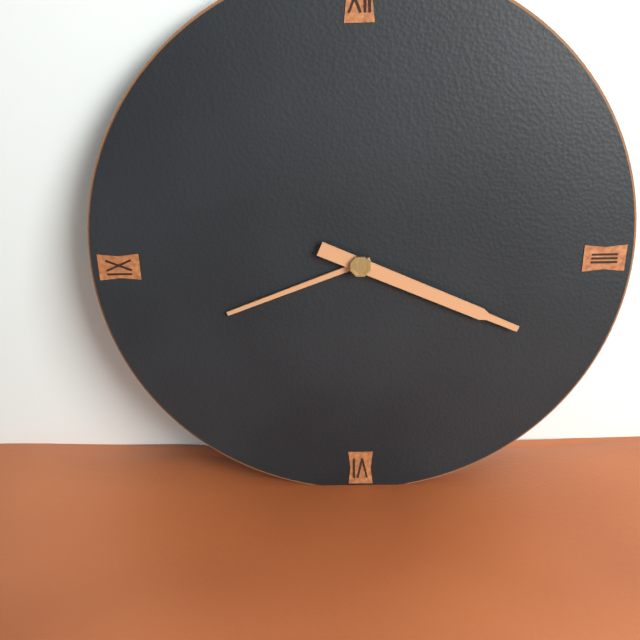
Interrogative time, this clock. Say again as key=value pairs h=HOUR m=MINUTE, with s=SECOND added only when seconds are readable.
h=8 m=19
